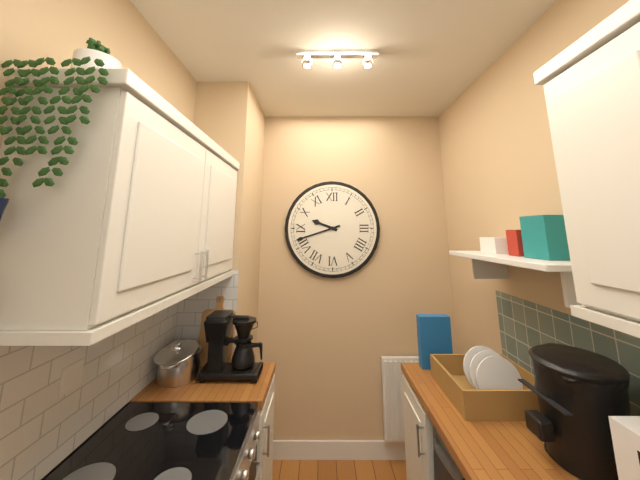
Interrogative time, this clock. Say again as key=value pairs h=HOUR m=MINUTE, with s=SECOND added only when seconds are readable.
h=9 m=42
